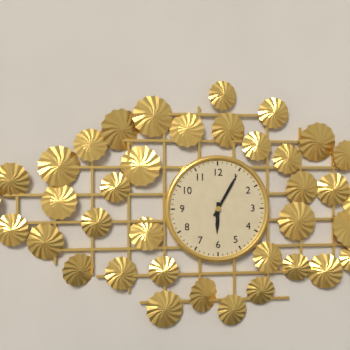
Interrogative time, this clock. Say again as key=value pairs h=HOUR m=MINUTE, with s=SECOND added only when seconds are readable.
h=6 m=5
